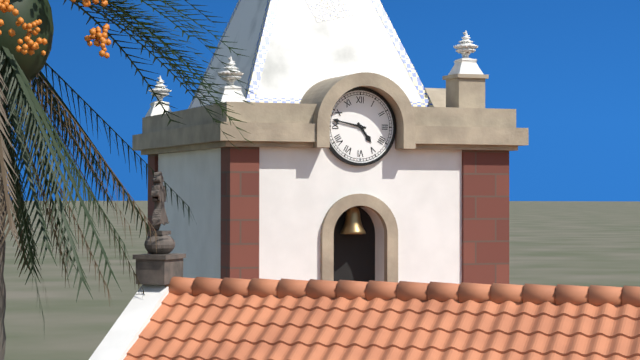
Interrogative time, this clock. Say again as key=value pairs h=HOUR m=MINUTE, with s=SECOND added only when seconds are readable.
h=4 m=47
